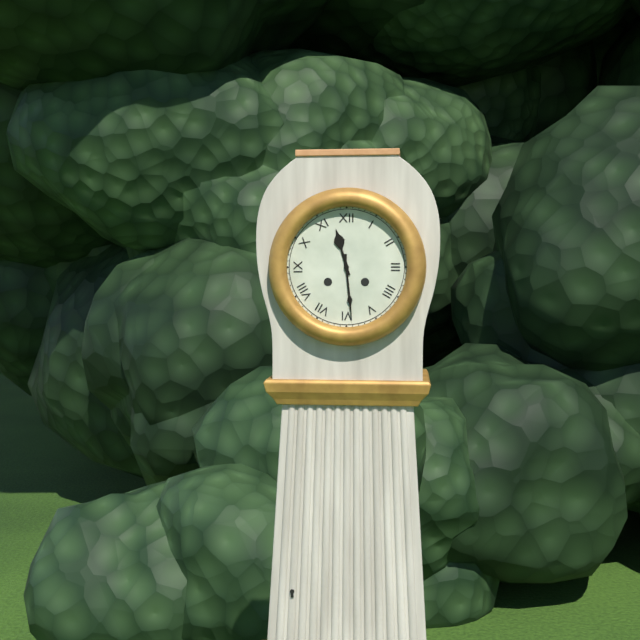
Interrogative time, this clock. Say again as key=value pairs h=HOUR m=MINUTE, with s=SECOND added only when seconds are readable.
h=11 m=29
